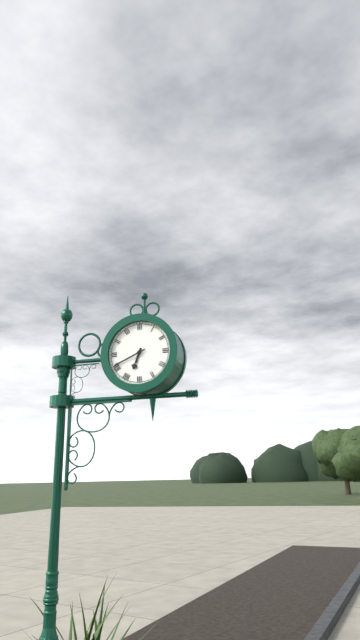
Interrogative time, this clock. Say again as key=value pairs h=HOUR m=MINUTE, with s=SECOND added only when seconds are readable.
h=6 m=41
